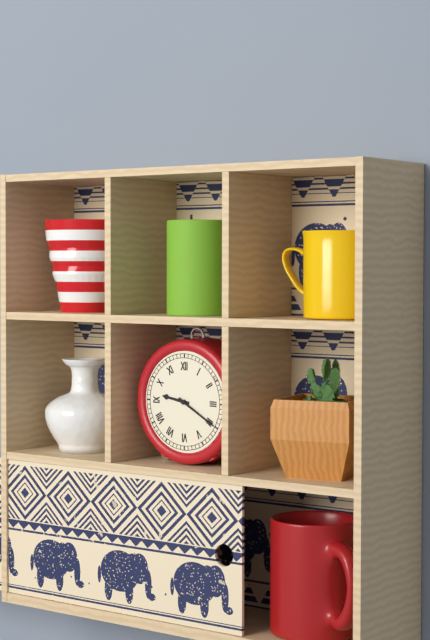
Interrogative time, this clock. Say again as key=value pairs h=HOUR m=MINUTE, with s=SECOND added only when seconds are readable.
h=9 m=20
